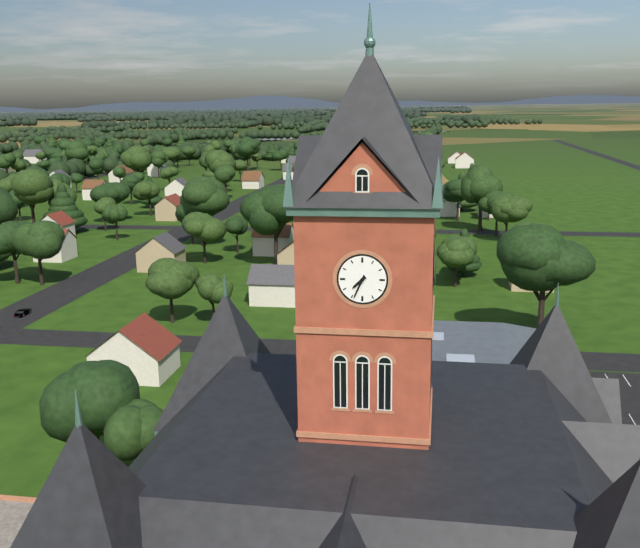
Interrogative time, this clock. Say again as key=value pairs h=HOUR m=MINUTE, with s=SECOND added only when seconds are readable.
h=7 m=34
